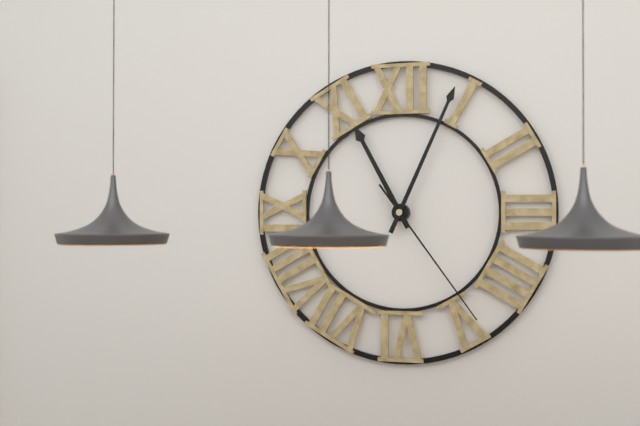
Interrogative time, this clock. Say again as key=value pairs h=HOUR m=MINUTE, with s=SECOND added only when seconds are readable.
h=11 m=4 s=24
